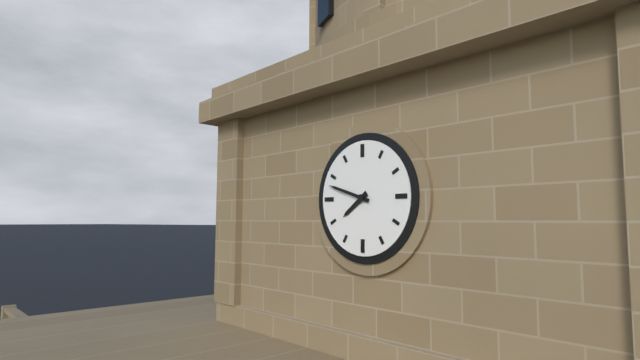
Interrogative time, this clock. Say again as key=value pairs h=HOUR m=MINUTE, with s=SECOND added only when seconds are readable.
h=7 m=48
